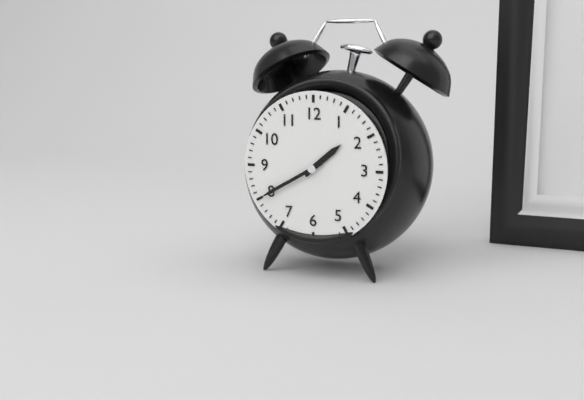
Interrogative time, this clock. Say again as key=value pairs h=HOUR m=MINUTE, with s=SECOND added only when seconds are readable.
h=1 m=40
